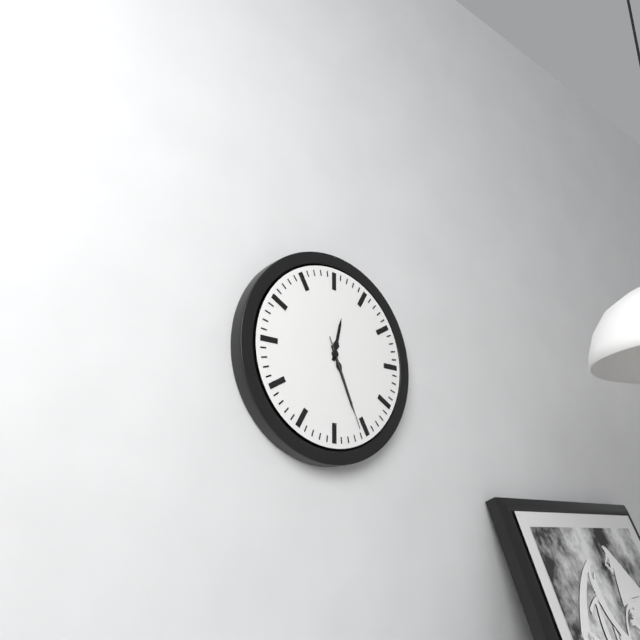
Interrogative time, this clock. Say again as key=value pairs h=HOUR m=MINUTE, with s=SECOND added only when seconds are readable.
h=12 m=26 s=26
